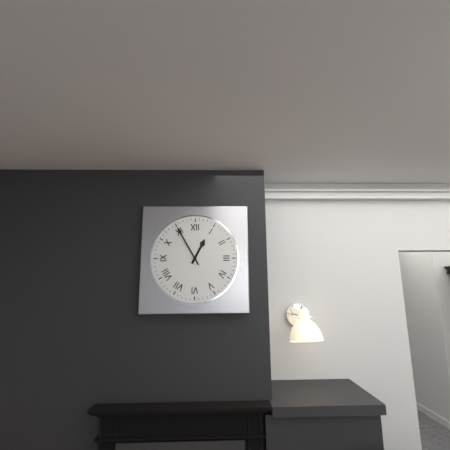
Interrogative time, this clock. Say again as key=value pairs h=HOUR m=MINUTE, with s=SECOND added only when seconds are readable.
h=12 m=55
